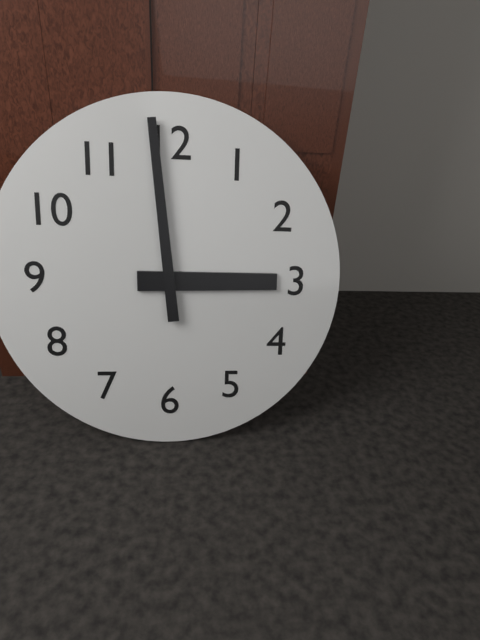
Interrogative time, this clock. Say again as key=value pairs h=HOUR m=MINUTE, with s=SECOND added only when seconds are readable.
h=2 m=59
